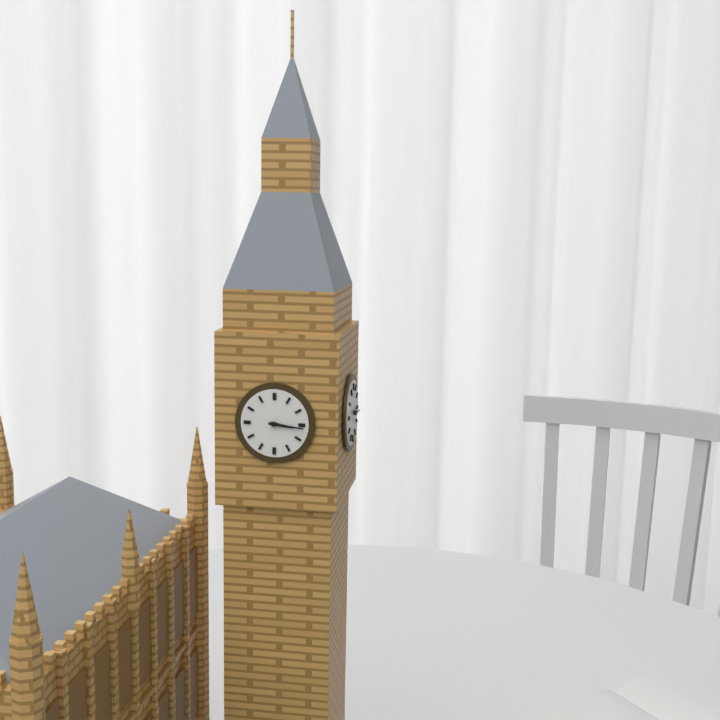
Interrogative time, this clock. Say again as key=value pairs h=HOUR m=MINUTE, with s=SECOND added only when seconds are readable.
h=3 m=16
